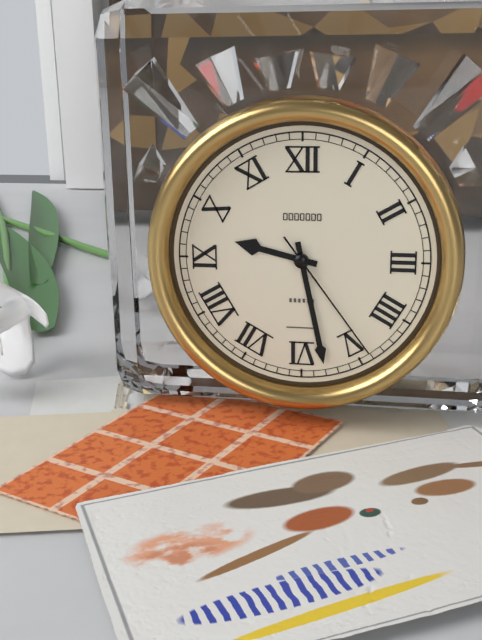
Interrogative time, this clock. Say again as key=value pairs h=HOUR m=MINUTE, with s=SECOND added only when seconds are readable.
h=9 m=28 s=24
